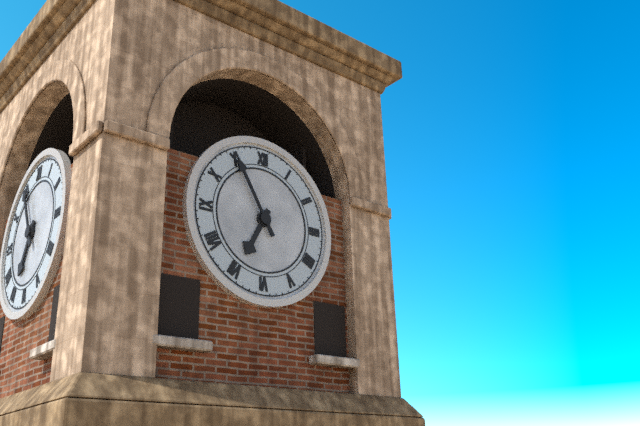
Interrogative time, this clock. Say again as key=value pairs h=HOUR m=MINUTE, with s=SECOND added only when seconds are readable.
h=6 m=55
